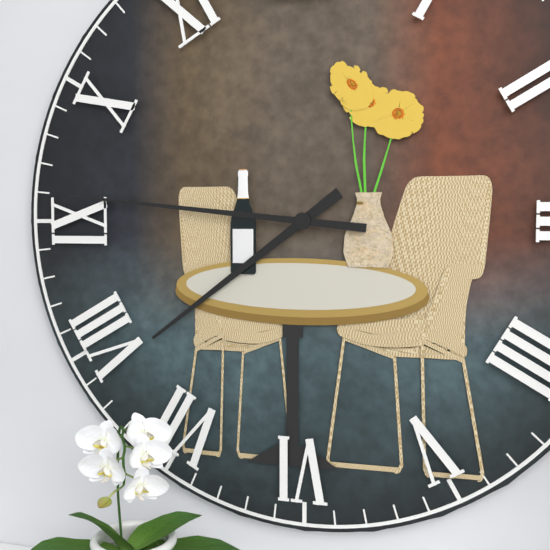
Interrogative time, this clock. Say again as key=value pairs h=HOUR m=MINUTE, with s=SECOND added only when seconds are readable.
h=7 m=46
